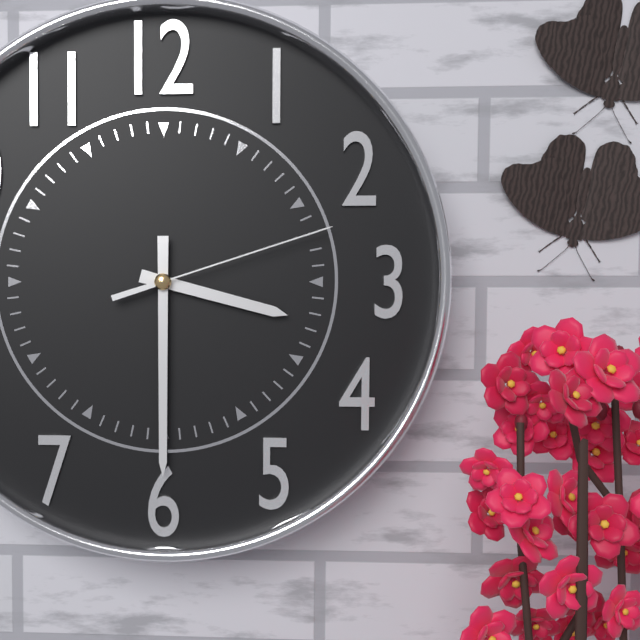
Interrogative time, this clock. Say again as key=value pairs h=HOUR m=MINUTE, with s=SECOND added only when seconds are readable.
h=3 m=30 s=12
